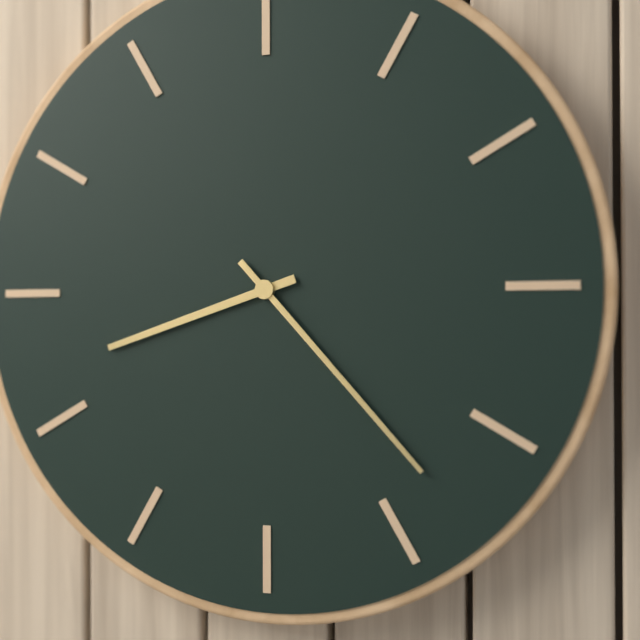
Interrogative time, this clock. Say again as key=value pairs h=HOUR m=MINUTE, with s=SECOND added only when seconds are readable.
h=8 m=23
